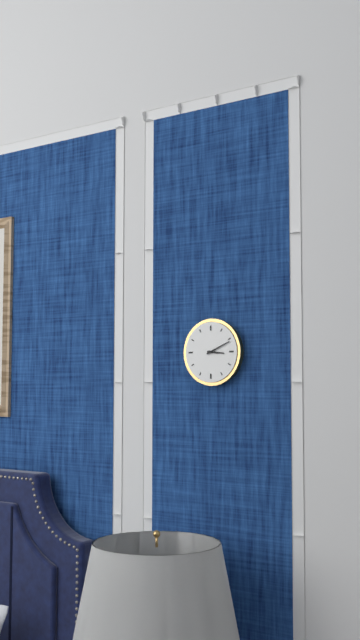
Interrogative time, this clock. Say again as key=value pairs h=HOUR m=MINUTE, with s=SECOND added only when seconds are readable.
h=3 m=11
